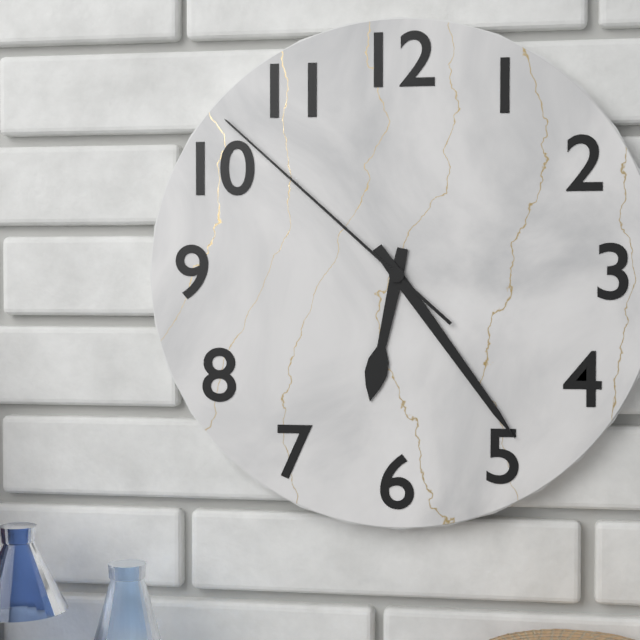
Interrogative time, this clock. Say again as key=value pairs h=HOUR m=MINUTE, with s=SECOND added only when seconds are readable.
h=6 m=24 s=52
